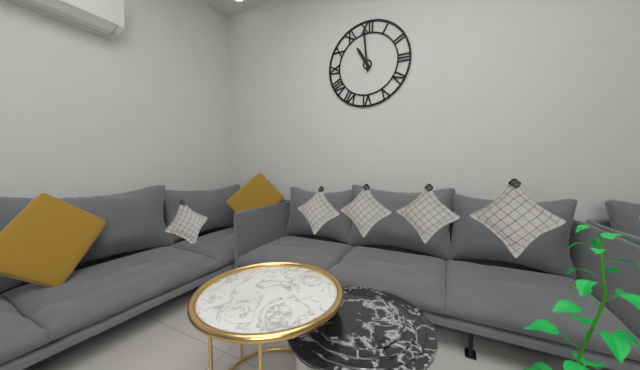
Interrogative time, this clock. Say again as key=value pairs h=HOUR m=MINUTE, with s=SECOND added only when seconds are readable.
h=10 m=59
